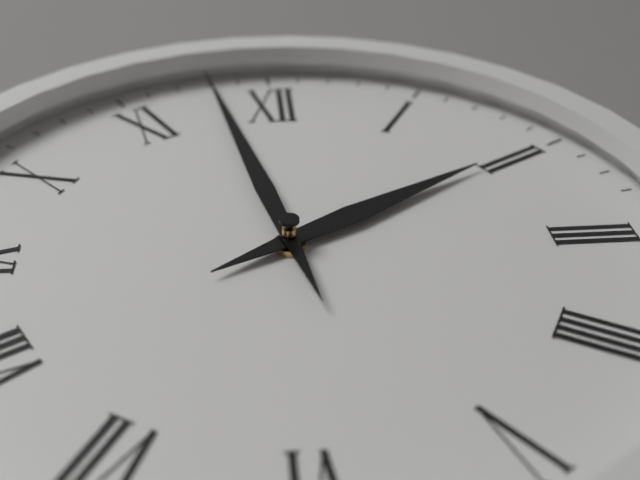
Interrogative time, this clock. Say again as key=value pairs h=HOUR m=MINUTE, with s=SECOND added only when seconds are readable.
h=1 m=58
